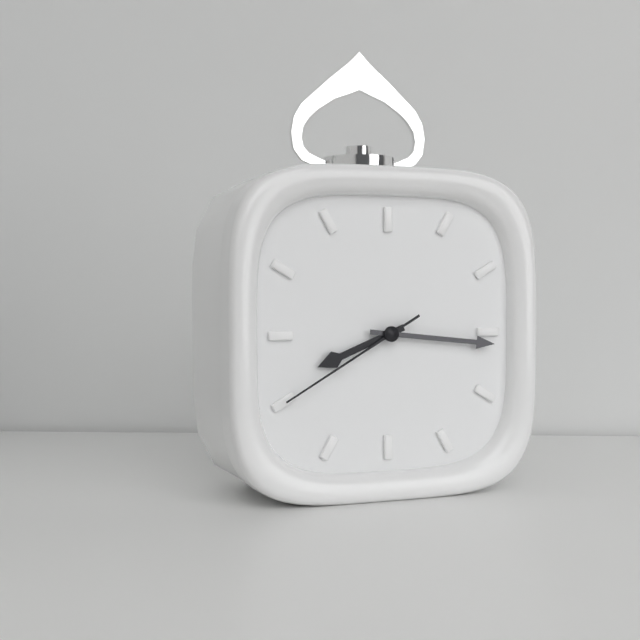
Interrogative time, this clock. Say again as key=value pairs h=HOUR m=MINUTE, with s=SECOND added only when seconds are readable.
h=8 m=16 s=40
